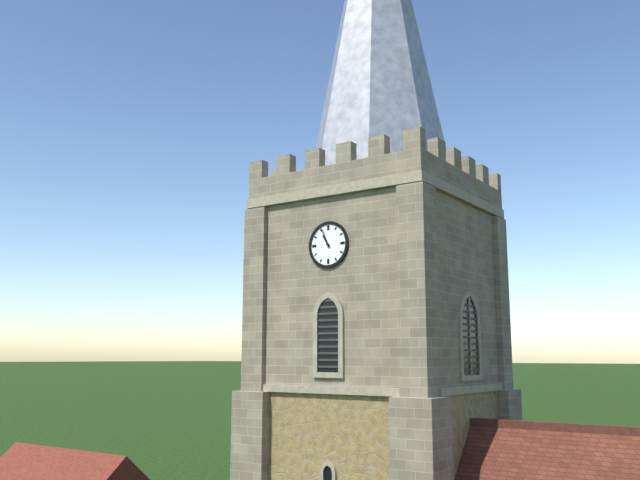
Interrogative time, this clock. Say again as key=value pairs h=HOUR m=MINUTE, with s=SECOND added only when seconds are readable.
h=10 m=56
